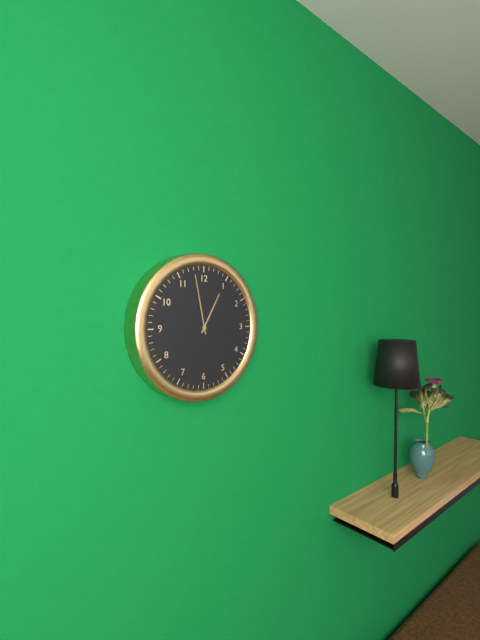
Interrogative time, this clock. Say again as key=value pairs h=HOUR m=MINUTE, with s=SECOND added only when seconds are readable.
h=12 m=58
